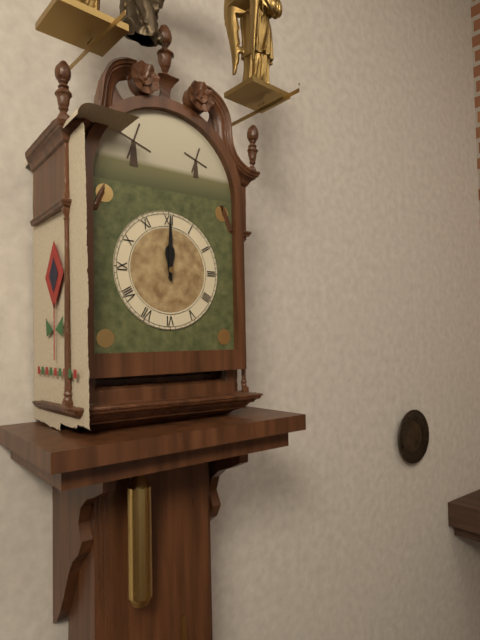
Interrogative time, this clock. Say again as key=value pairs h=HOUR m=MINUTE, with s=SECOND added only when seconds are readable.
h=12 m=0
